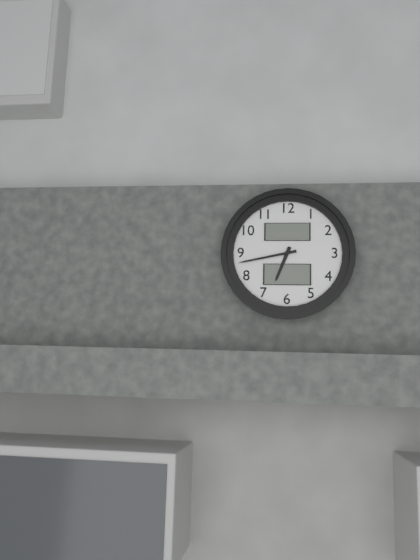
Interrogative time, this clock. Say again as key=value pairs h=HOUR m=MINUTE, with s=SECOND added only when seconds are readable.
h=6 m=43
